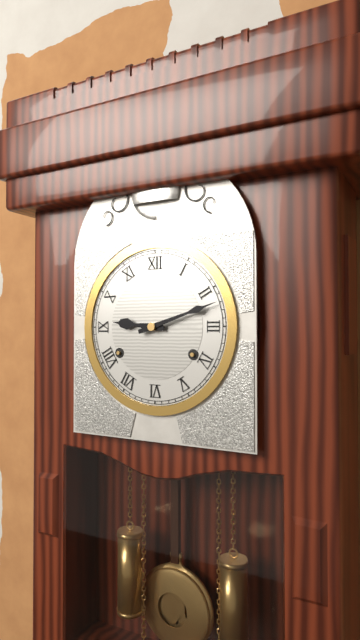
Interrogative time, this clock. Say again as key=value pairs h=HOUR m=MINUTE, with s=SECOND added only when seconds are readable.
h=9 m=12
